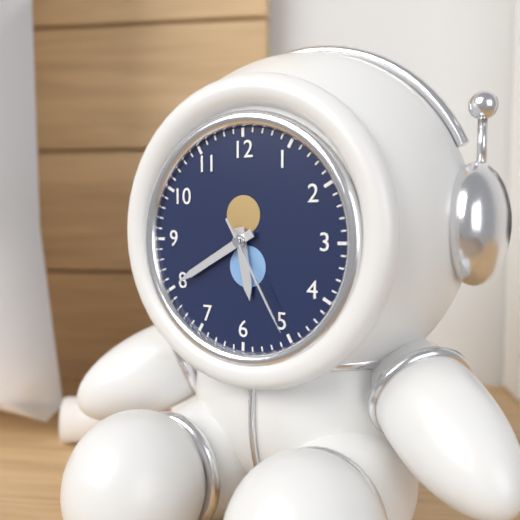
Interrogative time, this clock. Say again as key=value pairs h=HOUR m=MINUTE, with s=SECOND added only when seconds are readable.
h=5 m=40 s=25
